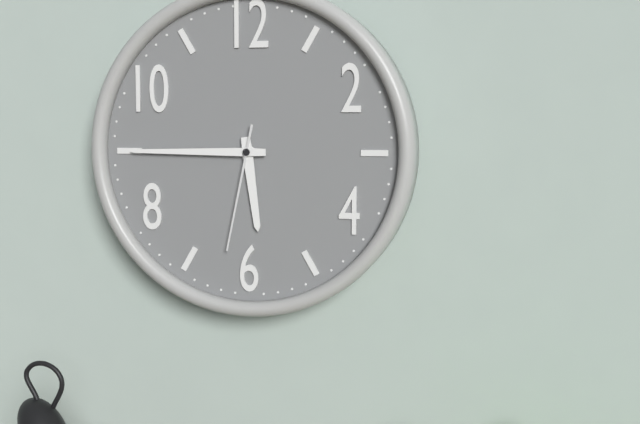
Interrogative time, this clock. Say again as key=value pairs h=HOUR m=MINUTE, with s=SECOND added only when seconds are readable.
h=5 m=45 s=32
